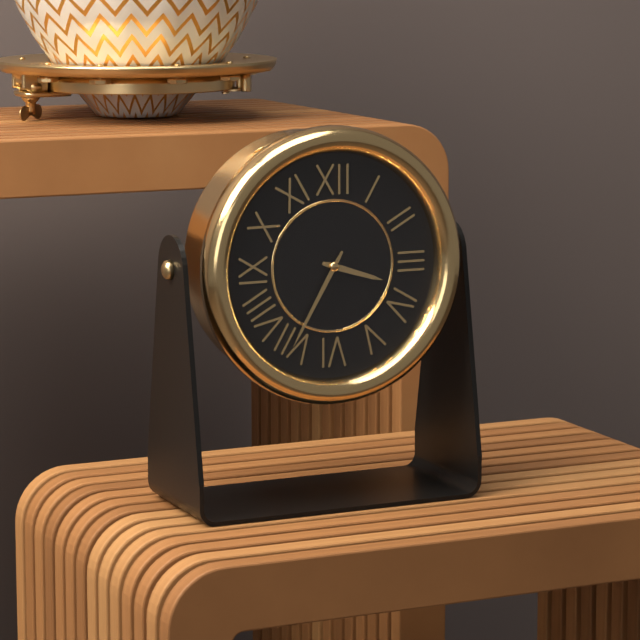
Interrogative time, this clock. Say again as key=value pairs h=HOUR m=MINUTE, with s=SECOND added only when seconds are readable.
h=3 m=35
